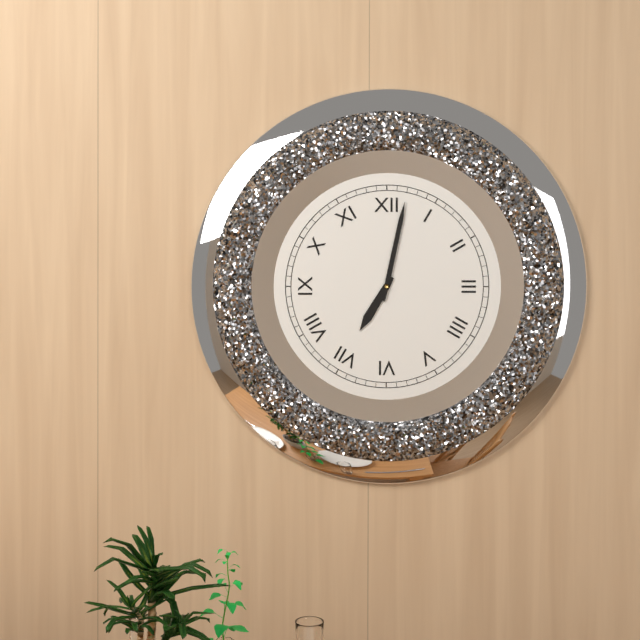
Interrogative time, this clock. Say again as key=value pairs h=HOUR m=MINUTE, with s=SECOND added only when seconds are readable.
h=7 m=2
